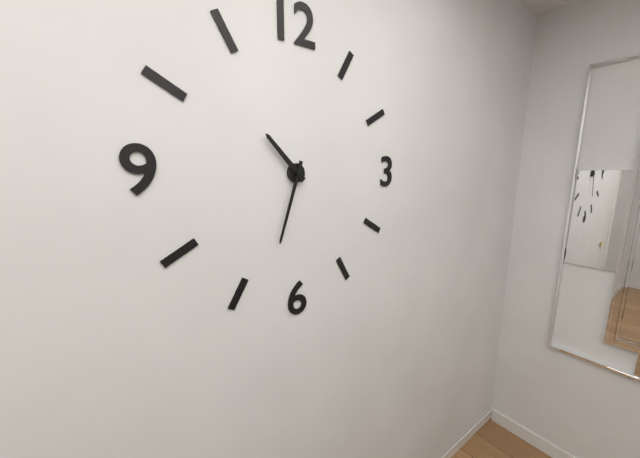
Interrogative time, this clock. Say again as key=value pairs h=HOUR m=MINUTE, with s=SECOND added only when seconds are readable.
h=10 m=33
